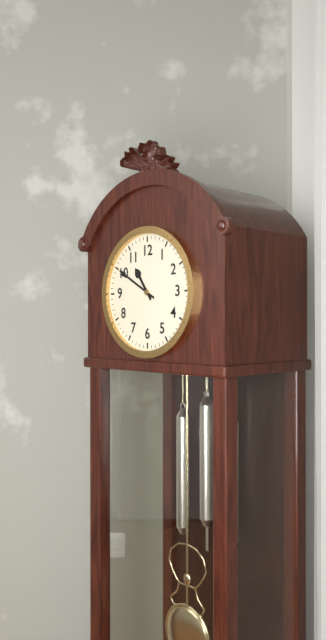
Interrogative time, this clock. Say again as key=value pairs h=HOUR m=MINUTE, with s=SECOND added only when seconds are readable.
h=10 m=50
